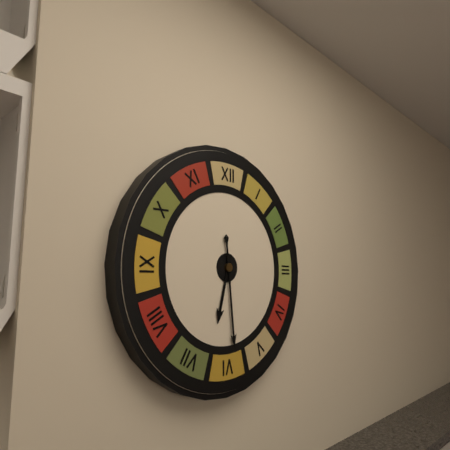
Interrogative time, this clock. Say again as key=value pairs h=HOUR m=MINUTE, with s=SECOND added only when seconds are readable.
h=6 m=29
